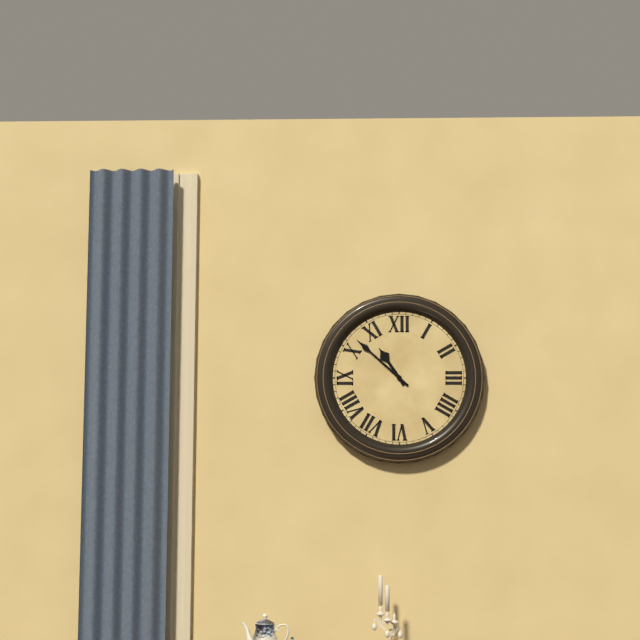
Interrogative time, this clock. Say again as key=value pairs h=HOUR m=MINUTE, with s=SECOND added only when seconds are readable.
h=10 m=52
